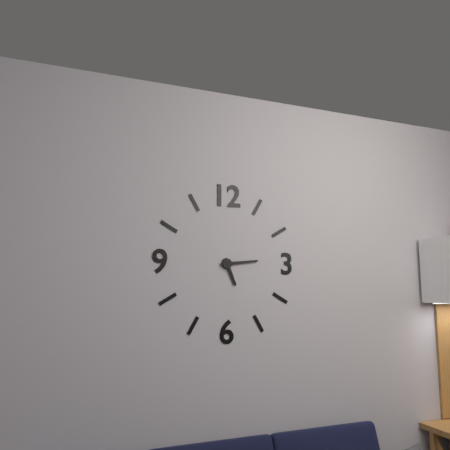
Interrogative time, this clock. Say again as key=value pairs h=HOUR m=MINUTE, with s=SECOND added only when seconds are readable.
h=5 m=14
